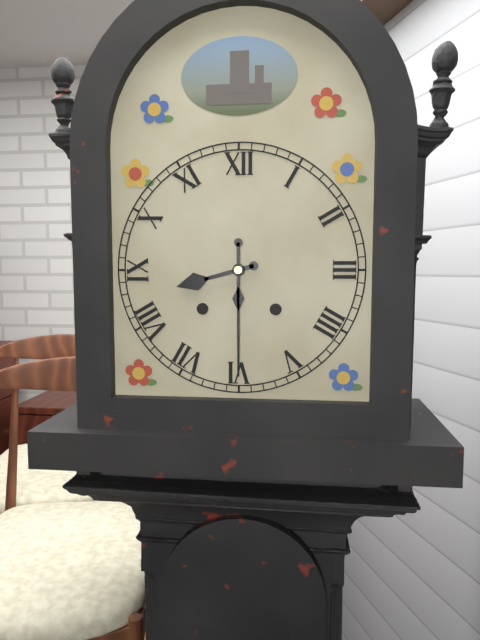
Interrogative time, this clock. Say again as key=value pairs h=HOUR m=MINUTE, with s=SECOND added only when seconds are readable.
h=8 m=30
